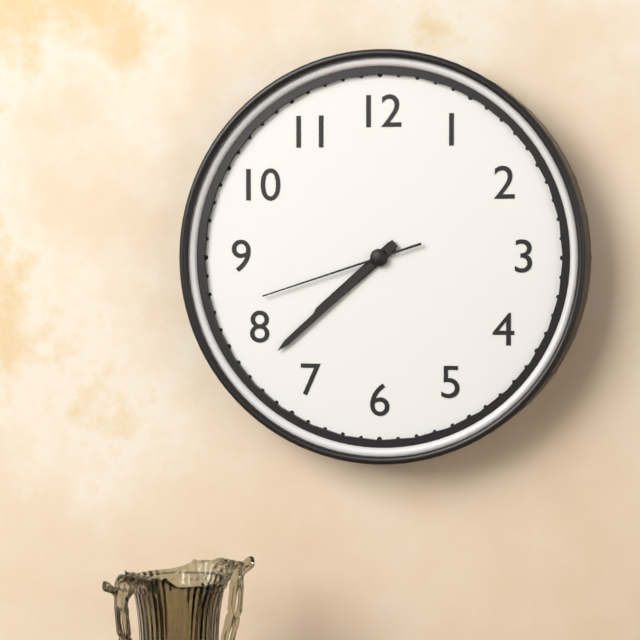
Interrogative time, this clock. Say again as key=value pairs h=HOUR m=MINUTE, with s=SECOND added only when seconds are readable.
h=7 m=38 s=42
